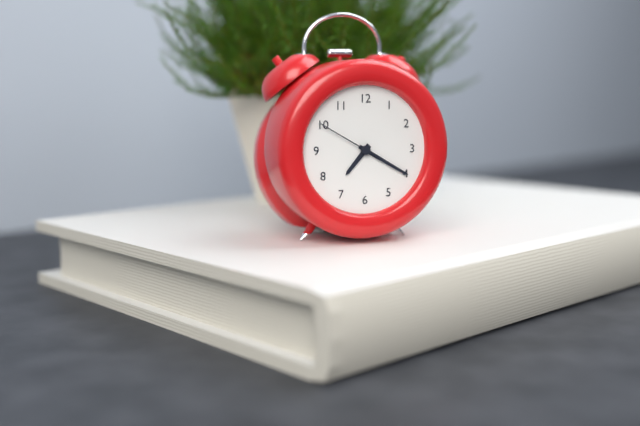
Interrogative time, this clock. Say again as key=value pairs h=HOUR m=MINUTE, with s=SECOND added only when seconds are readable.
h=7 m=20 s=50
